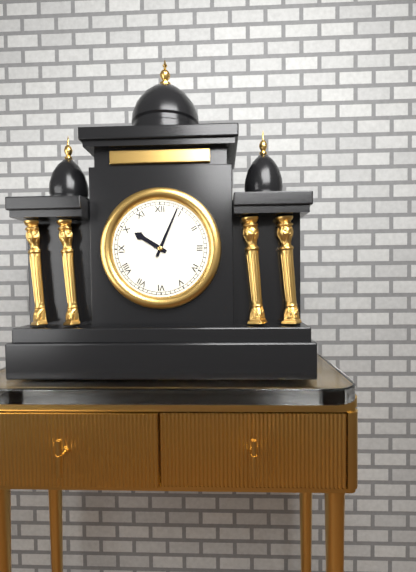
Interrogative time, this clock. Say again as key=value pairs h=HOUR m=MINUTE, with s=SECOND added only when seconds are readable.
h=10 m=4
